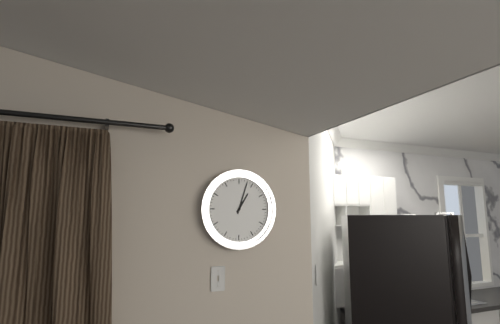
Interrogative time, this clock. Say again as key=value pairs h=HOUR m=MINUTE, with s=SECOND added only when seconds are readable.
h=1 m=3
